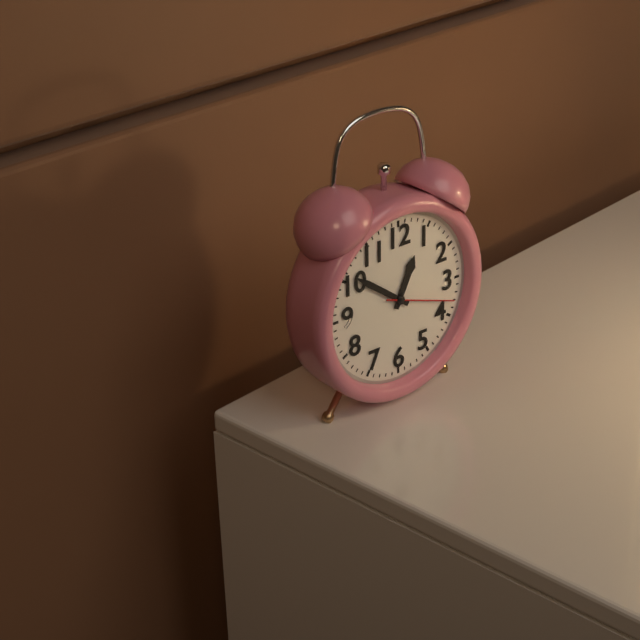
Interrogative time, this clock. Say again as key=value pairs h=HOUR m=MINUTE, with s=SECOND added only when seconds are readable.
h=12 m=51 s=18
